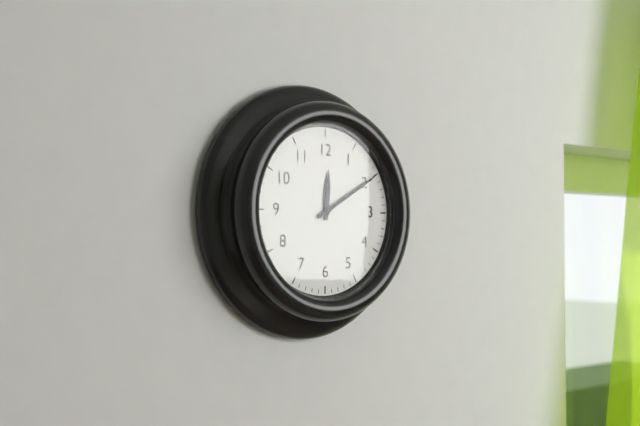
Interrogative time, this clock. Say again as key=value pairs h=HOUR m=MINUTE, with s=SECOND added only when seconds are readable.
h=12 m=10
